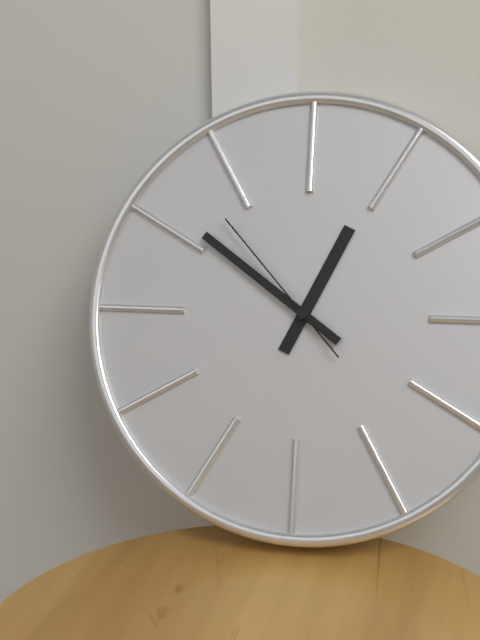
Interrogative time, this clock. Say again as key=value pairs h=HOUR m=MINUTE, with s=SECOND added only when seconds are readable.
h=12 m=51 s=53
